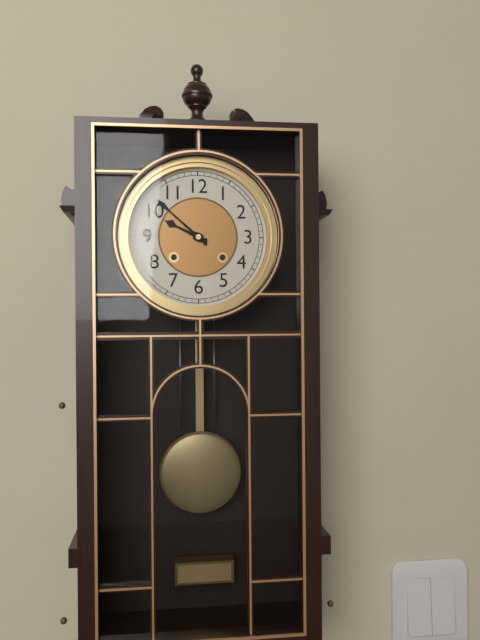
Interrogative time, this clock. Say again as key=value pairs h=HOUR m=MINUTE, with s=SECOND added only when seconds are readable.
h=9 m=52
